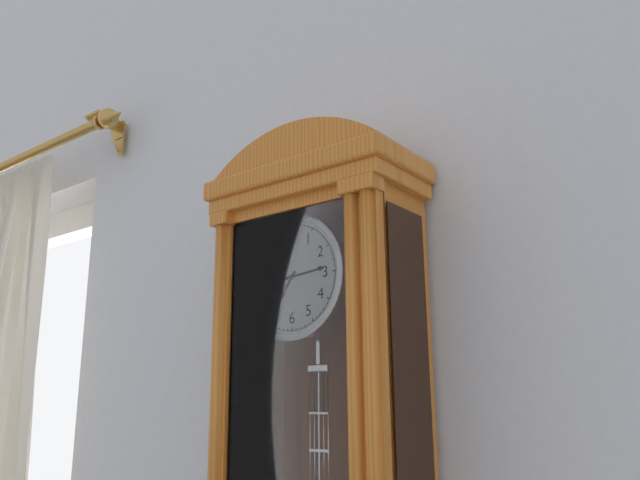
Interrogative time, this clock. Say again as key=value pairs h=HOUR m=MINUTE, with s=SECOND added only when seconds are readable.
h=7 m=14
